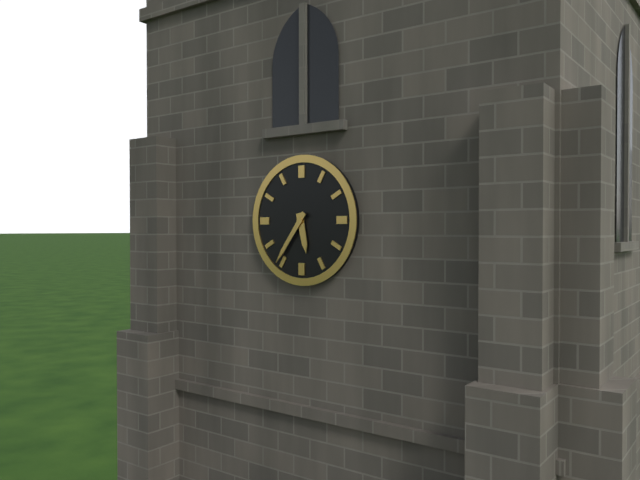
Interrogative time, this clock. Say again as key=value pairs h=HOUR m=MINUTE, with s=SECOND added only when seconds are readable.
h=5 m=36
